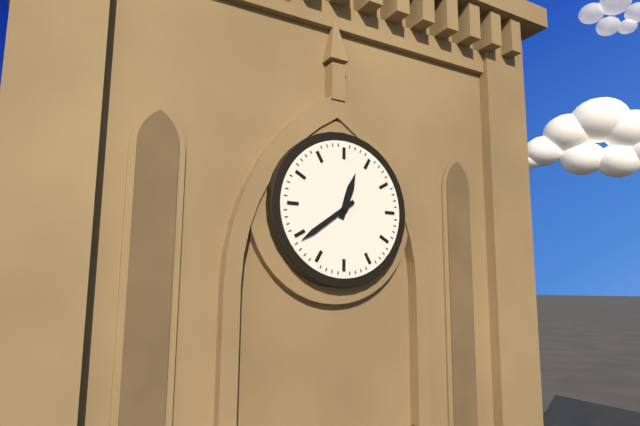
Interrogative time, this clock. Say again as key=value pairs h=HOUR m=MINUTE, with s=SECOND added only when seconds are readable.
h=12 m=39
